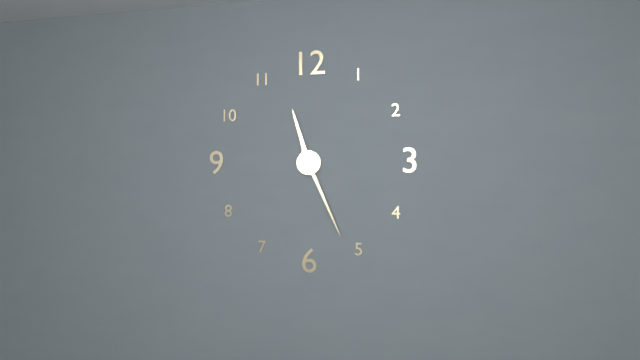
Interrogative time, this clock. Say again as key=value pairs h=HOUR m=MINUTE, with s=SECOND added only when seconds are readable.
h=11 m=26
